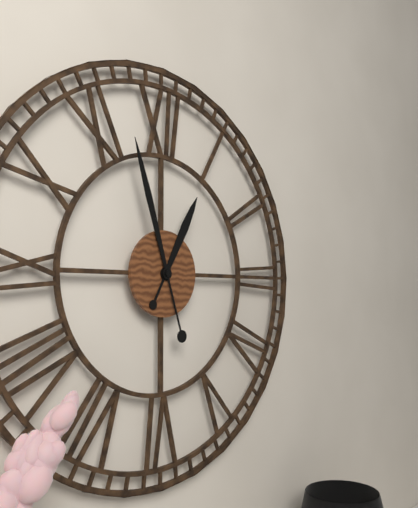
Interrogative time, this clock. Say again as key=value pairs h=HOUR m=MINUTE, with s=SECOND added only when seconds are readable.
h=12 m=57
